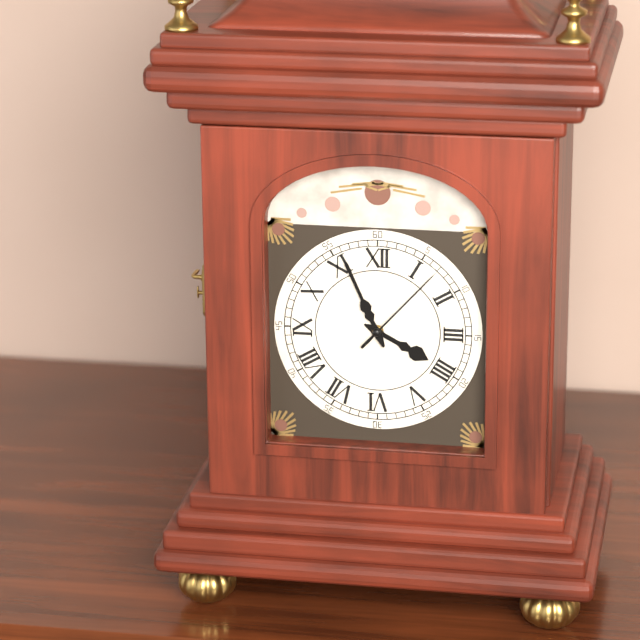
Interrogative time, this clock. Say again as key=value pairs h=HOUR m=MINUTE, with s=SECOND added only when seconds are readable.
h=3 m=56 s=7
